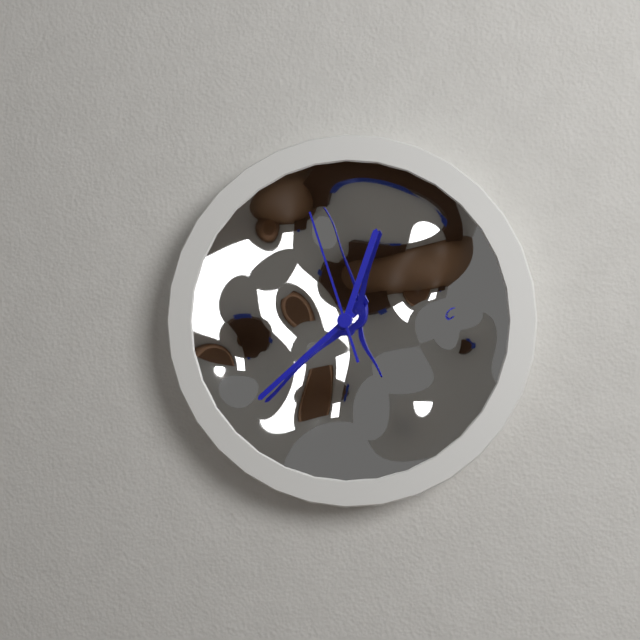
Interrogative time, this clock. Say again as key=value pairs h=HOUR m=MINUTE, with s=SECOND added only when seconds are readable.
h=12 m=38 s=57
